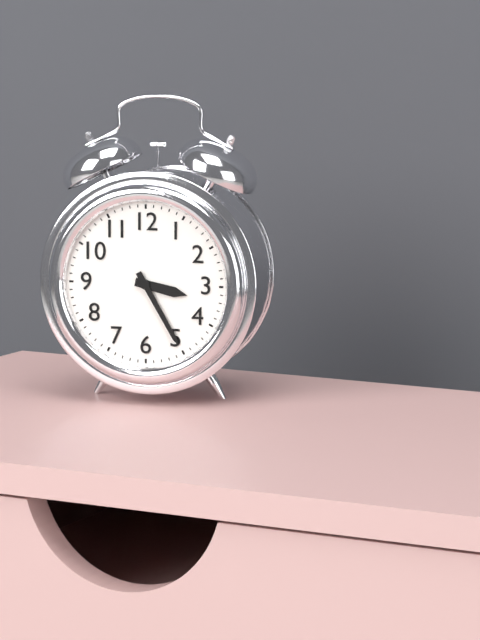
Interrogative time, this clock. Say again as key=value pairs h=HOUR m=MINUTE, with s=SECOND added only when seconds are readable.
h=3 m=25
